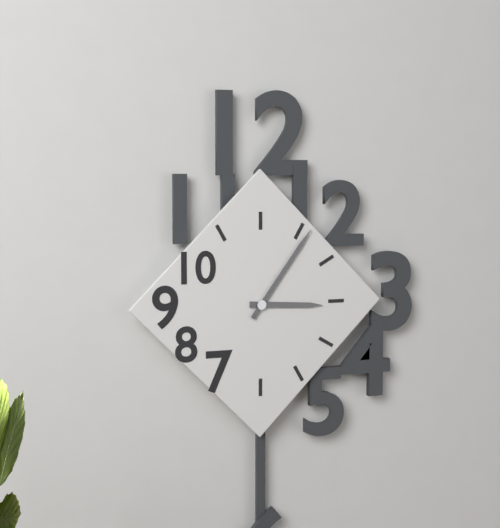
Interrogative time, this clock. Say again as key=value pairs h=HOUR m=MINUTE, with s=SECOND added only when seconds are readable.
h=3 m=6
